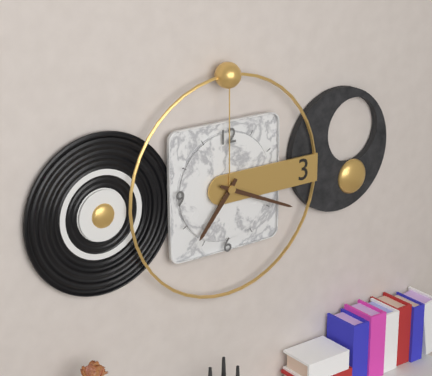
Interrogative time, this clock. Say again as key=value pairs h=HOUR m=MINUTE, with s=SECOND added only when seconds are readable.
h=7 m=19
